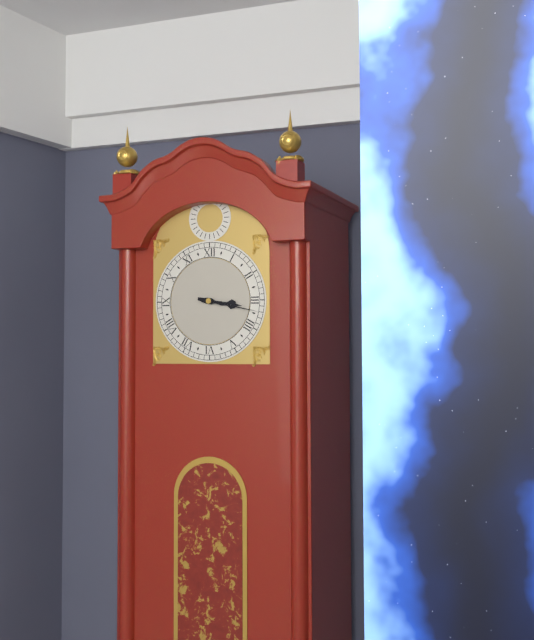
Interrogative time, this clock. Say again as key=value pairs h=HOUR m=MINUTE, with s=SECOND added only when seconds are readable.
h=3 m=17
